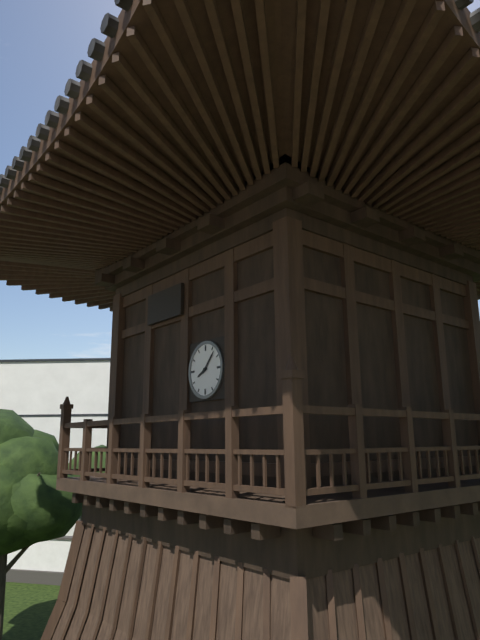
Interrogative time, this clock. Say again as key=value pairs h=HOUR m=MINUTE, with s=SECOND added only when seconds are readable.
h=8 m=7
